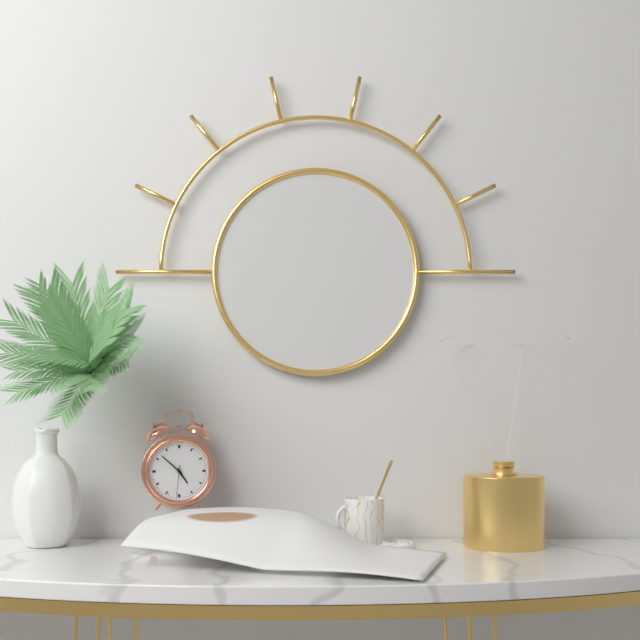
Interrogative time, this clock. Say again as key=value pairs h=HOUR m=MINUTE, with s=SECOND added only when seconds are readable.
h=4 m=52
